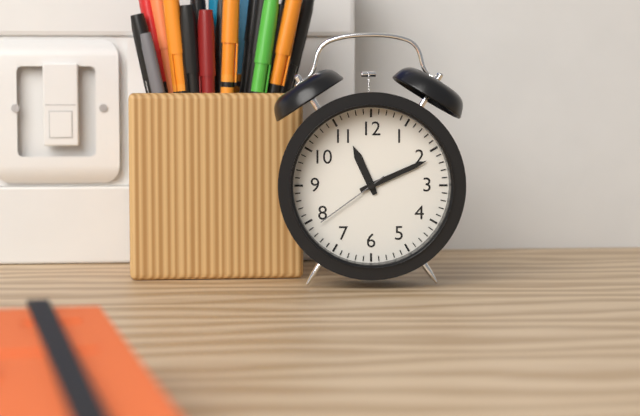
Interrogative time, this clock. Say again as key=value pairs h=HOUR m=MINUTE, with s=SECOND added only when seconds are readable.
h=11 m=11 s=39
